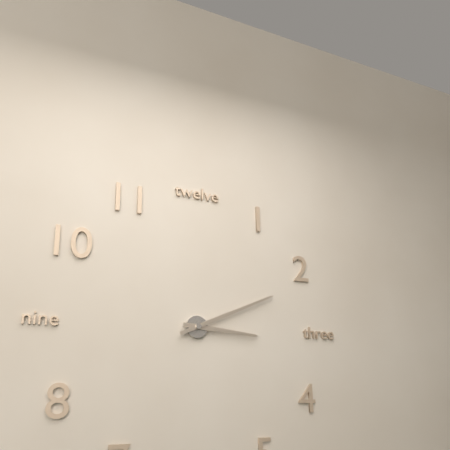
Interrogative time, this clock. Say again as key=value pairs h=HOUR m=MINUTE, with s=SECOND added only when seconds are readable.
h=3 m=11
